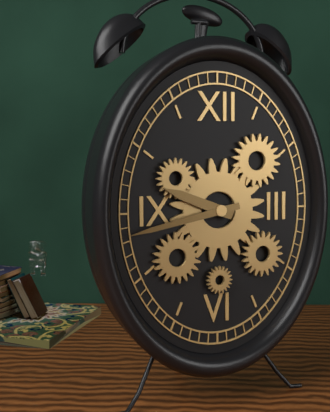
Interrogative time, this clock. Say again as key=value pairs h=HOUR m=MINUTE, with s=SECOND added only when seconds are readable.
h=9 m=43
